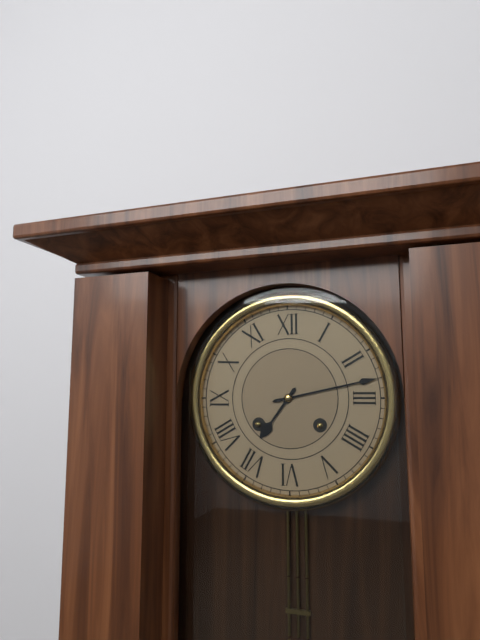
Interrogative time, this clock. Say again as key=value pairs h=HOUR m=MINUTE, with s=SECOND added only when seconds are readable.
h=7 m=13
